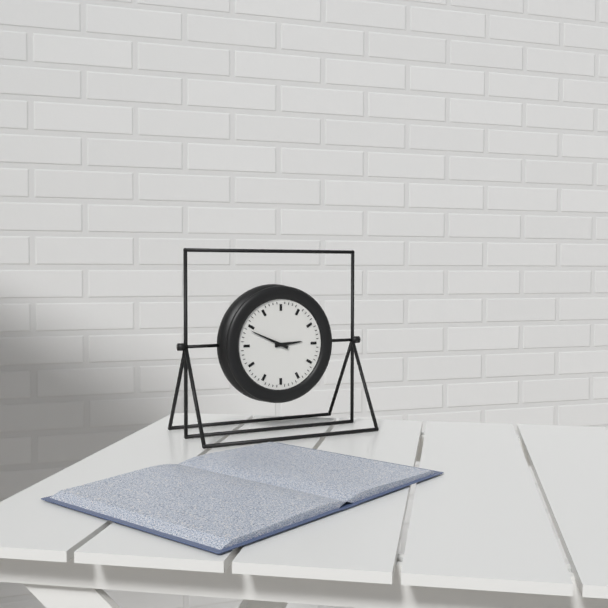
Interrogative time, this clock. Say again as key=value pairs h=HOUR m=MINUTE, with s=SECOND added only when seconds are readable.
h=2 m=49
